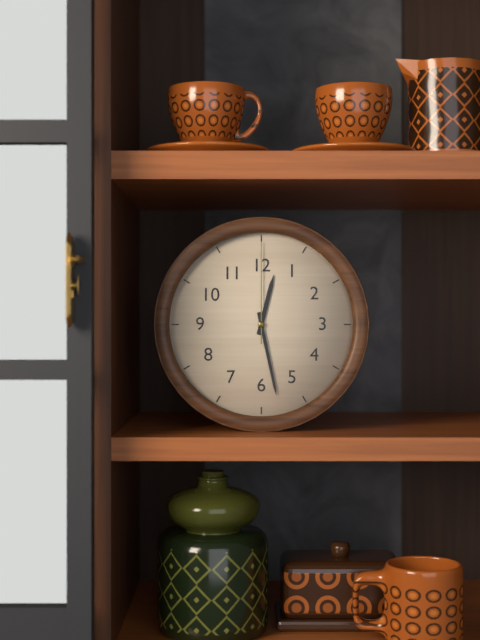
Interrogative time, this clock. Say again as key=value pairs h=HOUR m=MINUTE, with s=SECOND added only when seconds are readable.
h=12 m=28 s=0
